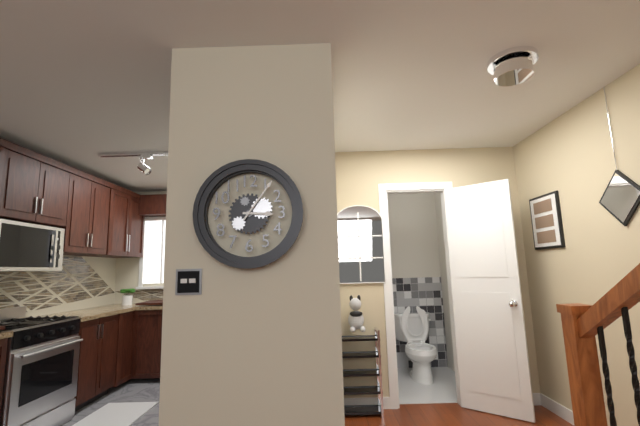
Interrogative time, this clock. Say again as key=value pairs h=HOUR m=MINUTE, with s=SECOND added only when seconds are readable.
h=3 m=6
